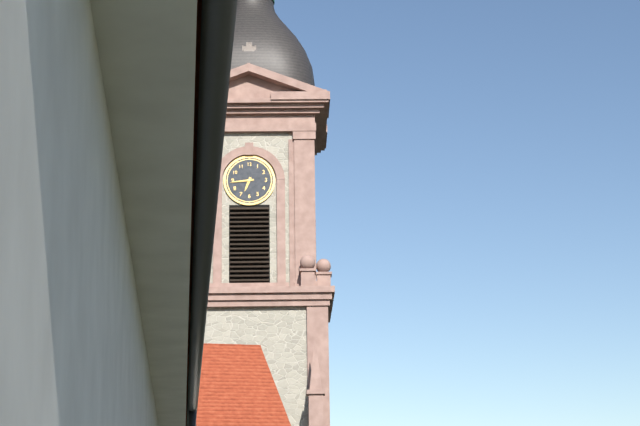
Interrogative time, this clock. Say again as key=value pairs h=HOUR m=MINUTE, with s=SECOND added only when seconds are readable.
h=6 m=44
